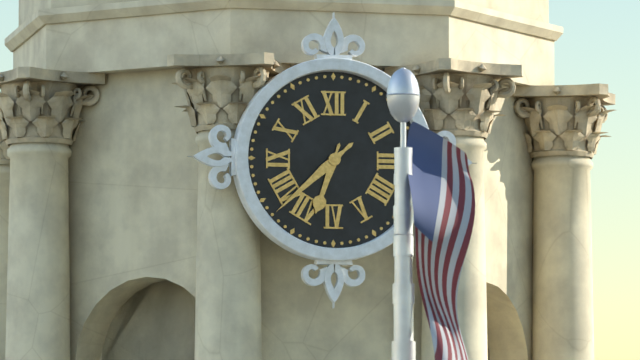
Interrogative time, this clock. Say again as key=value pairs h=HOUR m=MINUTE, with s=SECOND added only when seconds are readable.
h=6 m=38
